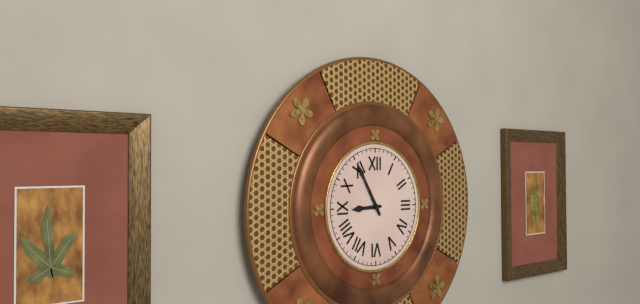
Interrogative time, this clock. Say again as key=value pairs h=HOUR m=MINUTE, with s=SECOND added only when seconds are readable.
h=8 m=55
